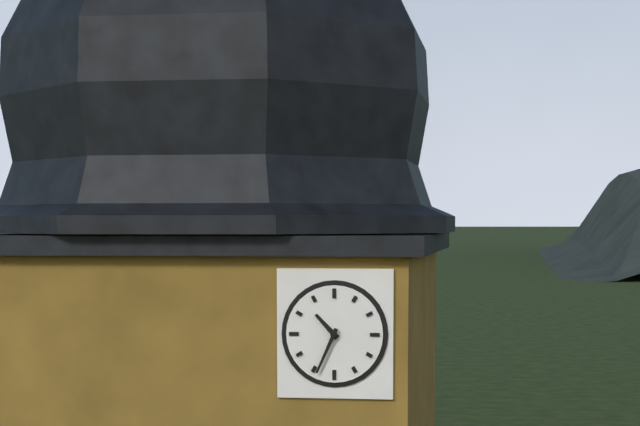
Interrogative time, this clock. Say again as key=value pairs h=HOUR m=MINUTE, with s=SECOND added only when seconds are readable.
h=10 m=34
